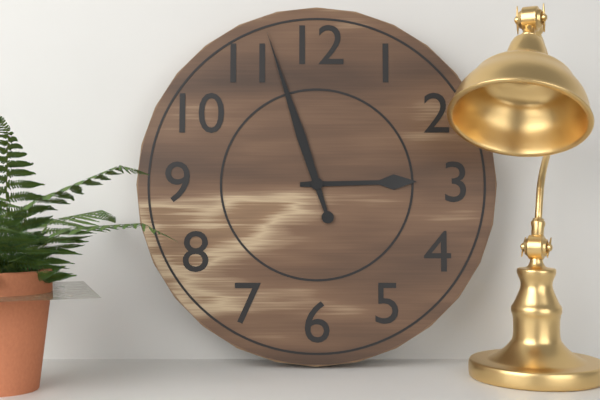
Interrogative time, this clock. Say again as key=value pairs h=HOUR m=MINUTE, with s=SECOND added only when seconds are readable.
h=2 m=57
